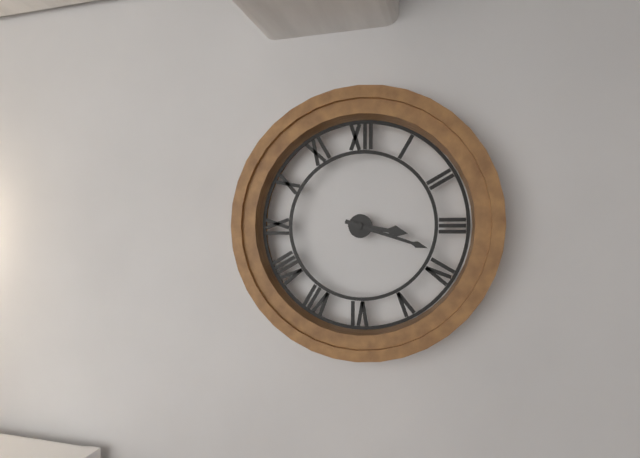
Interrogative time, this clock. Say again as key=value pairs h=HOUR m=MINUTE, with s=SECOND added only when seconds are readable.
h=3 m=18
